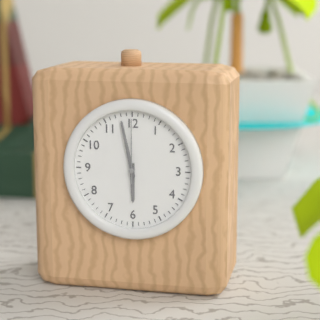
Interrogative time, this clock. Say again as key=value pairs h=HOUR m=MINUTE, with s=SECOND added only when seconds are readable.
h=5 m=58 s=0
